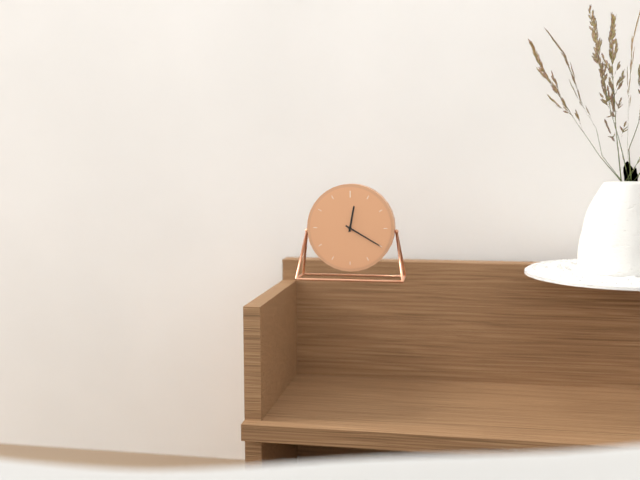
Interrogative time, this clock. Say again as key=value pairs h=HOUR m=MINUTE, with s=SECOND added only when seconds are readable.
h=12 m=20
